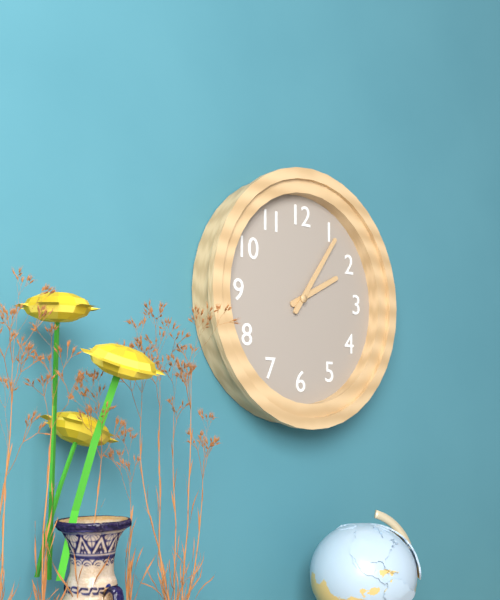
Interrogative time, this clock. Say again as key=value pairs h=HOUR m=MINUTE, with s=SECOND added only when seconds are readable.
h=2 m=6
